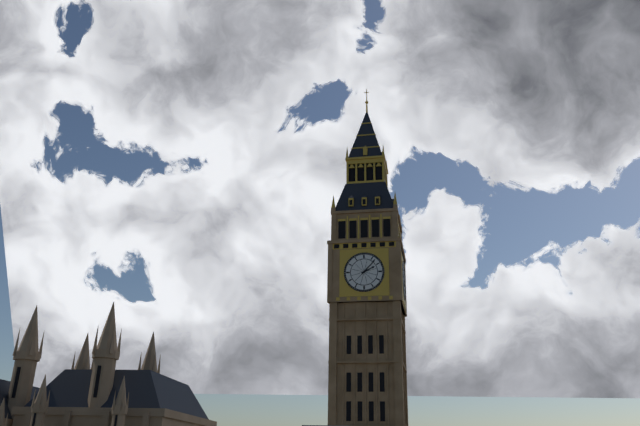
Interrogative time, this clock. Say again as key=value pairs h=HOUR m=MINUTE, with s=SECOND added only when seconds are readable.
h=2 m=7
